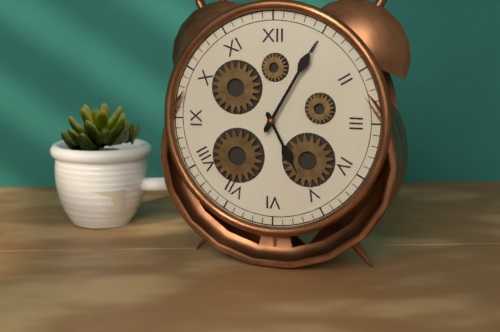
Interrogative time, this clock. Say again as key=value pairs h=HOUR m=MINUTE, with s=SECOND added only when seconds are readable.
h=5 m=5
